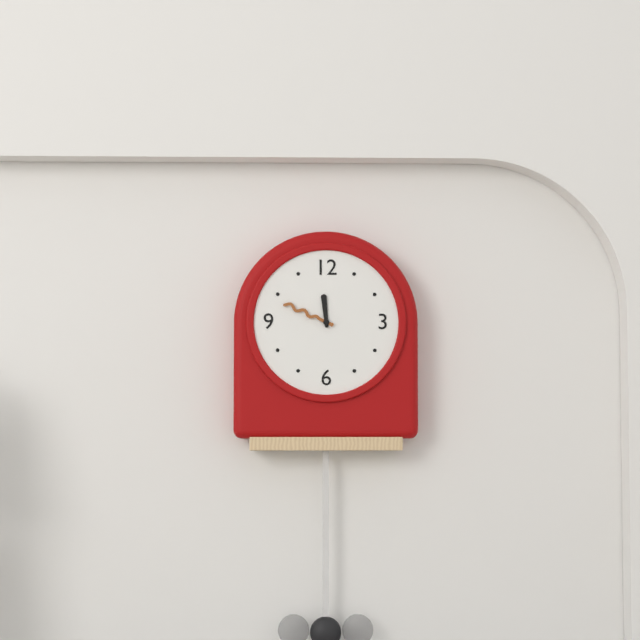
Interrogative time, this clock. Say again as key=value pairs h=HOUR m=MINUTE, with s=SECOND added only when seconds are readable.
h=11 m=49
